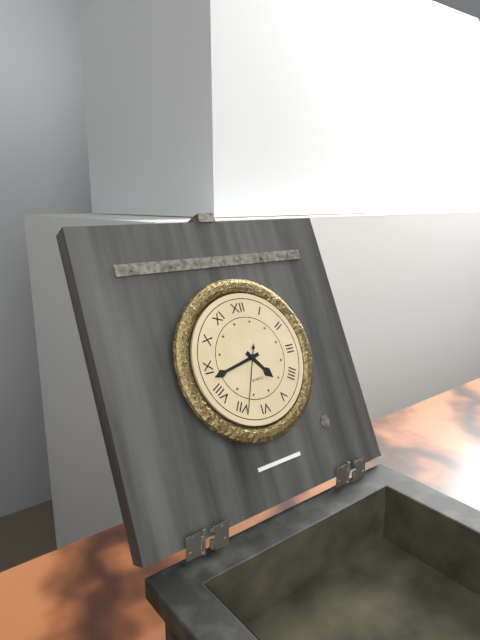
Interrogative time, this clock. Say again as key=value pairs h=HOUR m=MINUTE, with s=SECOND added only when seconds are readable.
h=4 m=43 s=34
